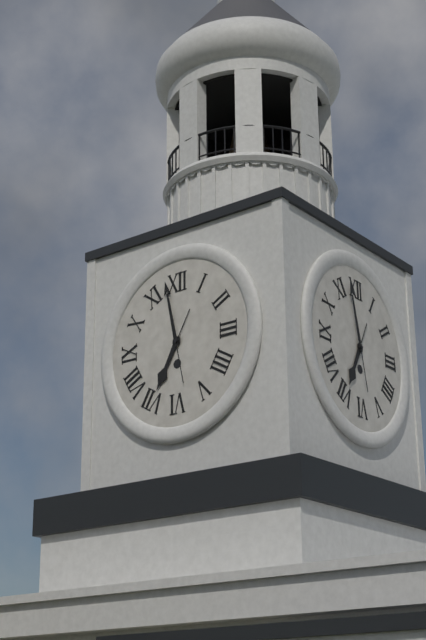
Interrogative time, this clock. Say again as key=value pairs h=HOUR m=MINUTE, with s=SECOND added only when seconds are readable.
h=6 m=58
